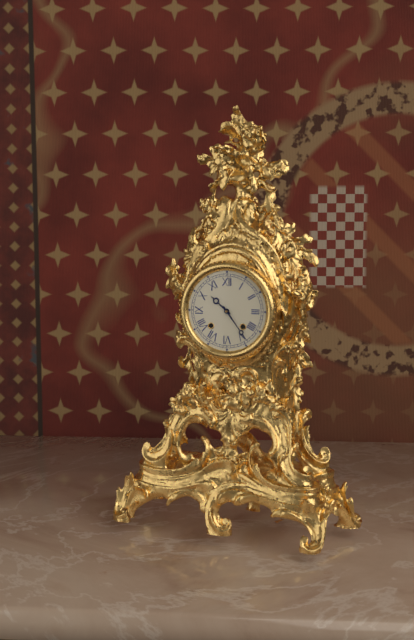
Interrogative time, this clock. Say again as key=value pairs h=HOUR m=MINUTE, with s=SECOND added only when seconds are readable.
h=10 m=24
